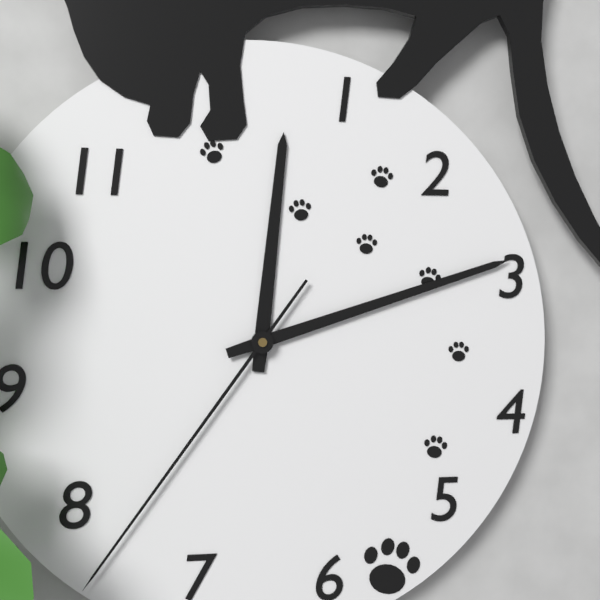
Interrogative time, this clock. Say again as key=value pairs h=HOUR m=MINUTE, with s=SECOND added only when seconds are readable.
h=12 m=12 s=36
